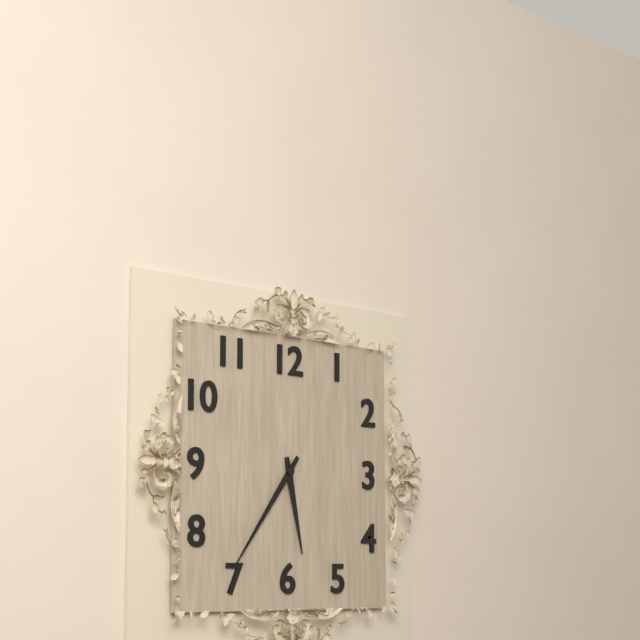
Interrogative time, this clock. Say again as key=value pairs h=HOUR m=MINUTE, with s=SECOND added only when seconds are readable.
h=5 m=36
